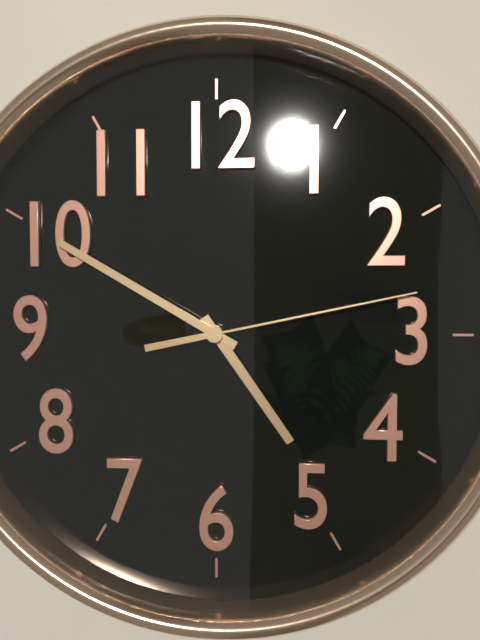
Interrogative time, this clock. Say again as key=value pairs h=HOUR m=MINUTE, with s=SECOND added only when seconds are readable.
h=4 m=50 s=13
